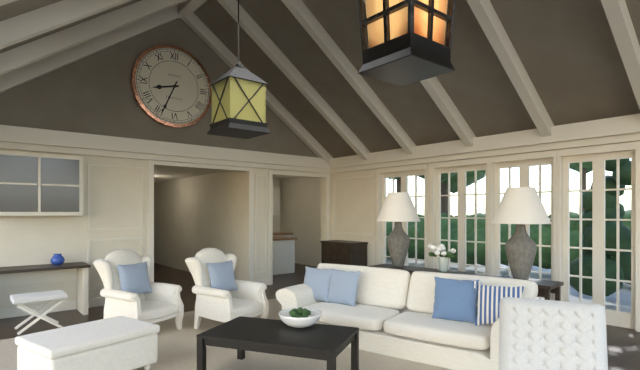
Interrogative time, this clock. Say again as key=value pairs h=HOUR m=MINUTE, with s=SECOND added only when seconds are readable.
h=8 m=34
